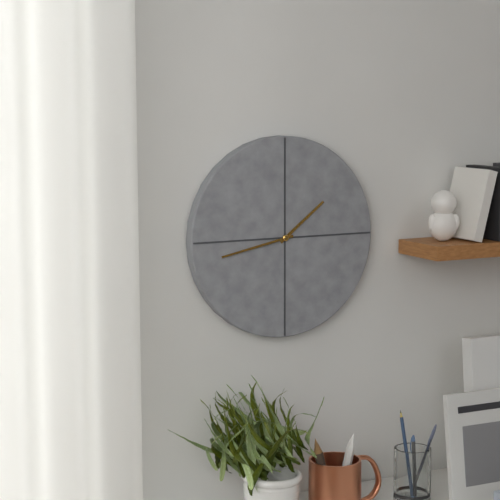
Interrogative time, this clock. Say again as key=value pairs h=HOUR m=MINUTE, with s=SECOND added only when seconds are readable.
h=1 m=43
